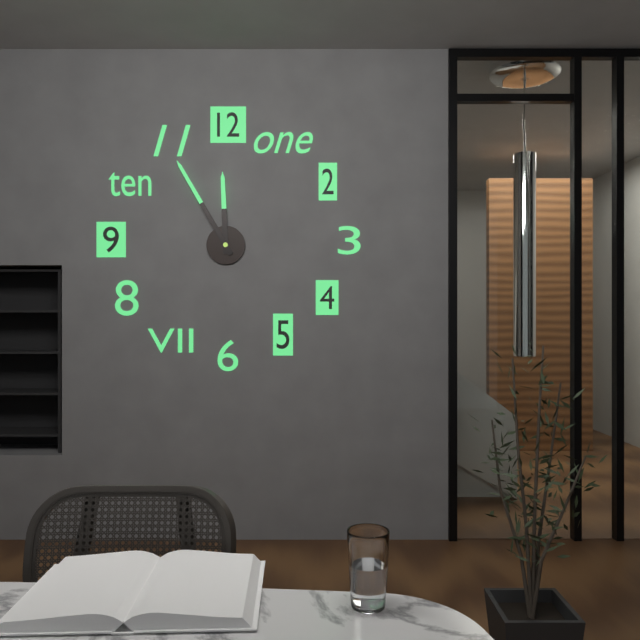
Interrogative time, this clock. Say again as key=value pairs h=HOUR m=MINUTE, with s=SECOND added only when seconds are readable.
h=11 m=55
